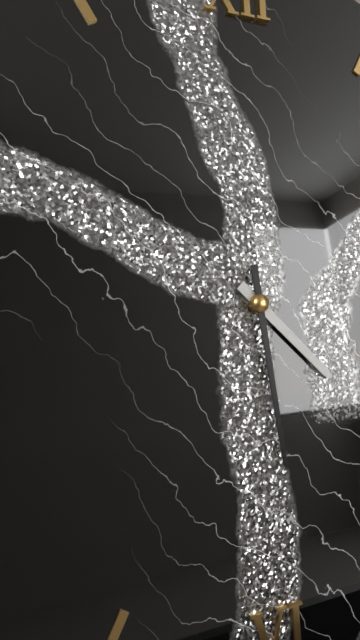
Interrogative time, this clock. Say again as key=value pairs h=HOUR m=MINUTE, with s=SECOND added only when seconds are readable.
h=4 m=29
